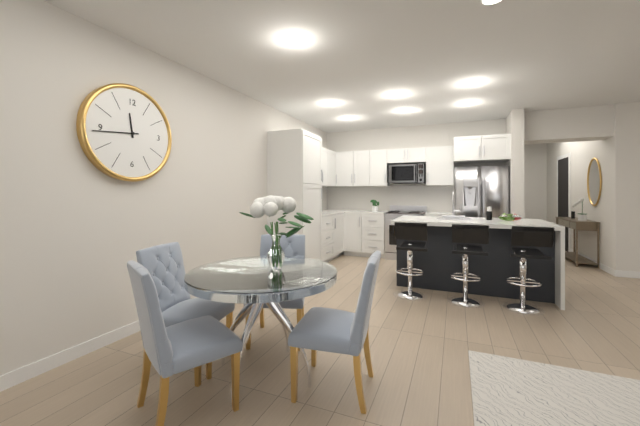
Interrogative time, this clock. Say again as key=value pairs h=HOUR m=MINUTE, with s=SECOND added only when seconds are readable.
h=11 m=44
